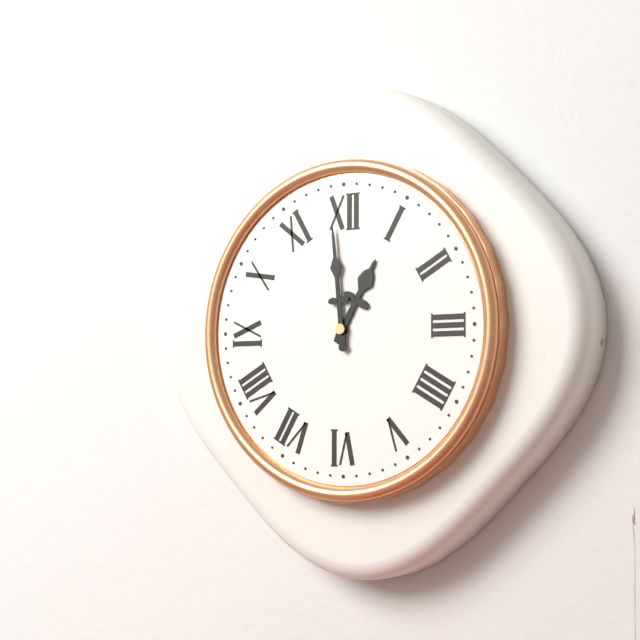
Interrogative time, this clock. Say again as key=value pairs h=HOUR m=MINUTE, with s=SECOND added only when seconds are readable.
h=12 m=59
